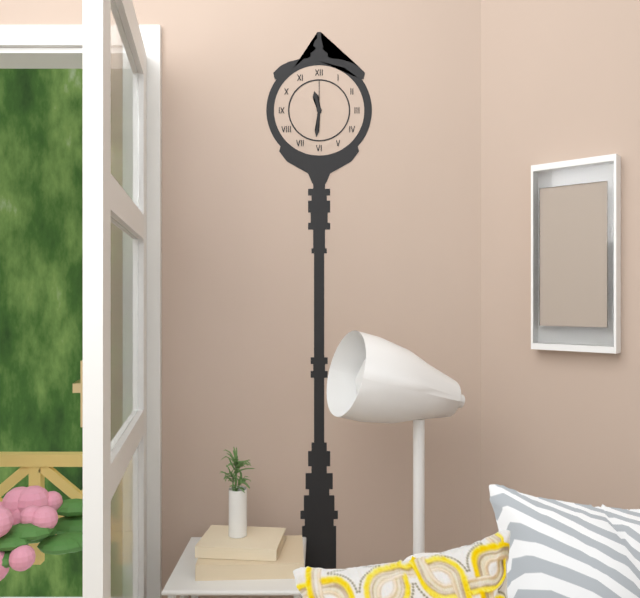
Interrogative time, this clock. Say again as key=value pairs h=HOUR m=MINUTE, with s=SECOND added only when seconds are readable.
h=11 m=31
